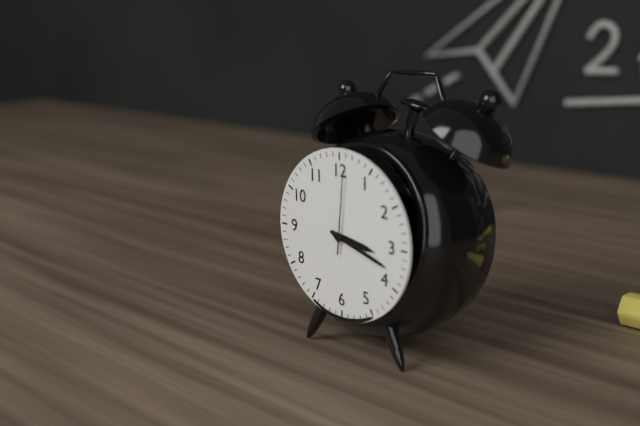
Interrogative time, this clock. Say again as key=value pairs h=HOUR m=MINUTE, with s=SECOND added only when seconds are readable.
h=3 m=18 s=1
